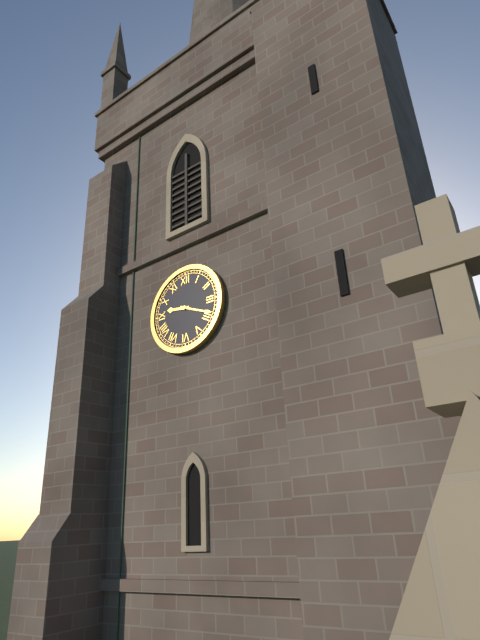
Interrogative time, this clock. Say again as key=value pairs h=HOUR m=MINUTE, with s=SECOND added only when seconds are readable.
h=9 m=19
